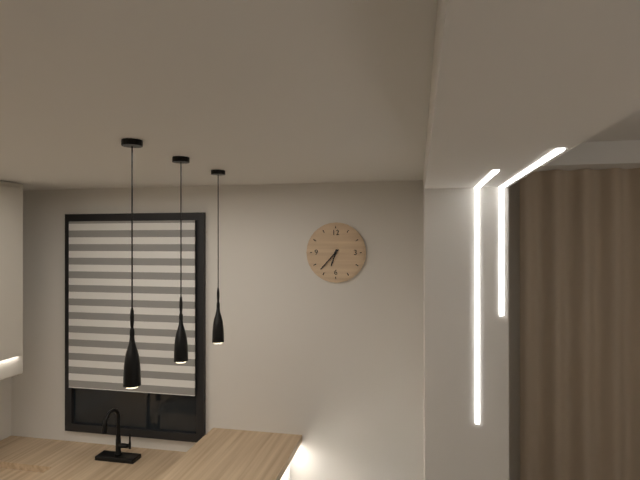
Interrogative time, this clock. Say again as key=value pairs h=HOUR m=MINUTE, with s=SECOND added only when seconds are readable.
h=6 m=37
